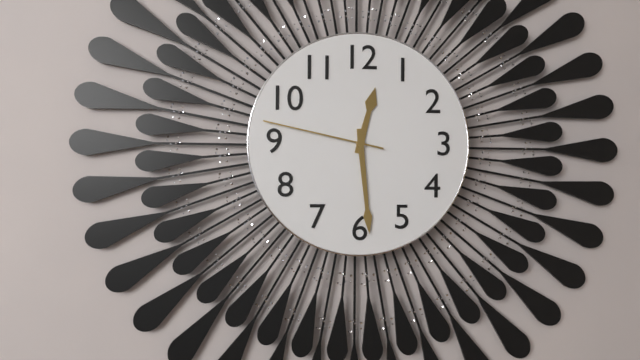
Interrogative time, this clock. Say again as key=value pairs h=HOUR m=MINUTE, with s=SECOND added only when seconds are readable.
h=12 m=29 s=47
